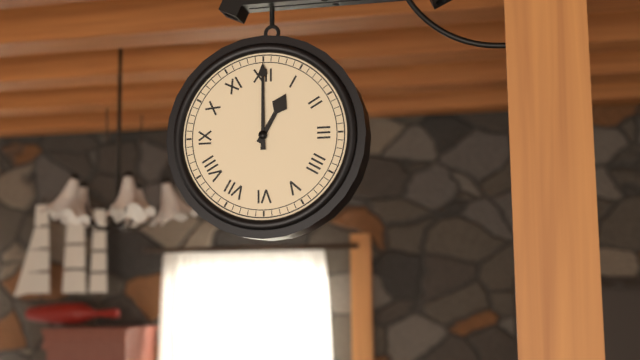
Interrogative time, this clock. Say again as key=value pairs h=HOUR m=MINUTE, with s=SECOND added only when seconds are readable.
h=1 m=0
